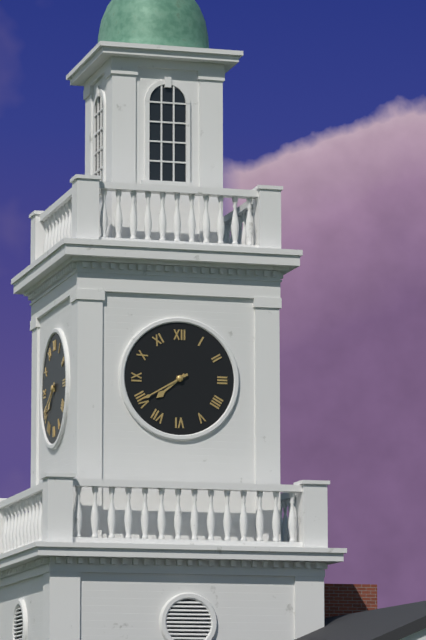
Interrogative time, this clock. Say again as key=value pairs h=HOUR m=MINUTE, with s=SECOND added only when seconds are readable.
h=7 m=40
